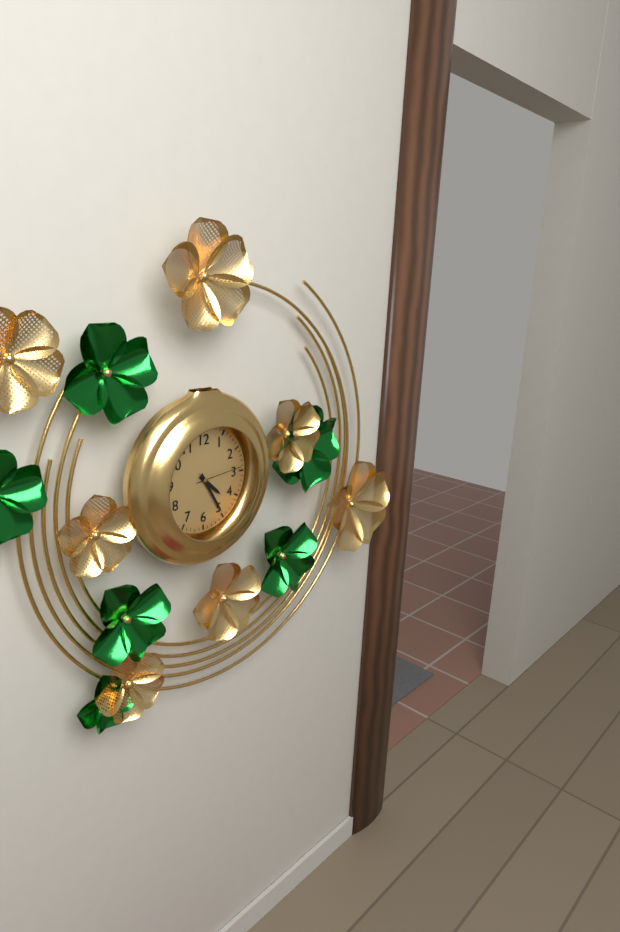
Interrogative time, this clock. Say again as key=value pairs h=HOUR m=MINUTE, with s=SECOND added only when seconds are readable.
h=4 m=25 s=14
